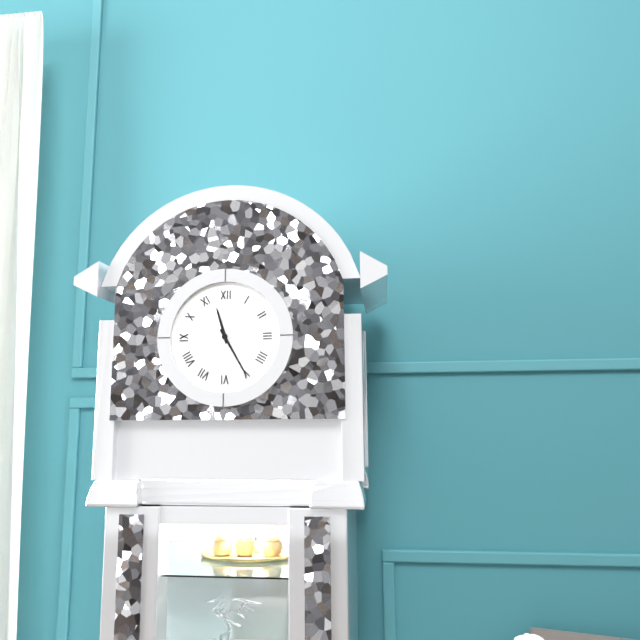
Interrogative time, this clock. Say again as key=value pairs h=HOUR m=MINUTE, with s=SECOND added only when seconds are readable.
h=11 m=25
